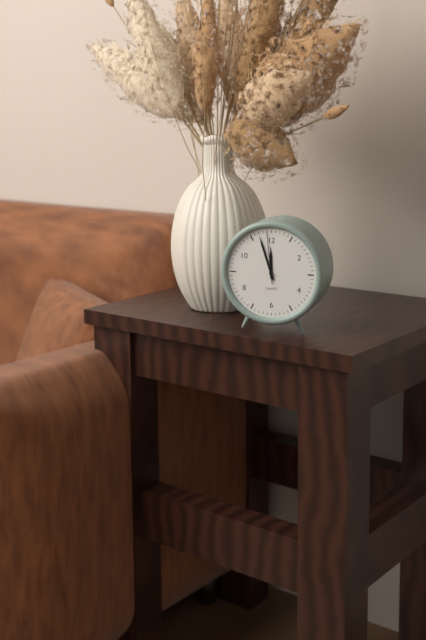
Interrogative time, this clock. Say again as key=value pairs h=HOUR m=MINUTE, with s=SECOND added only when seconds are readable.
h=11 m=57 s=59
